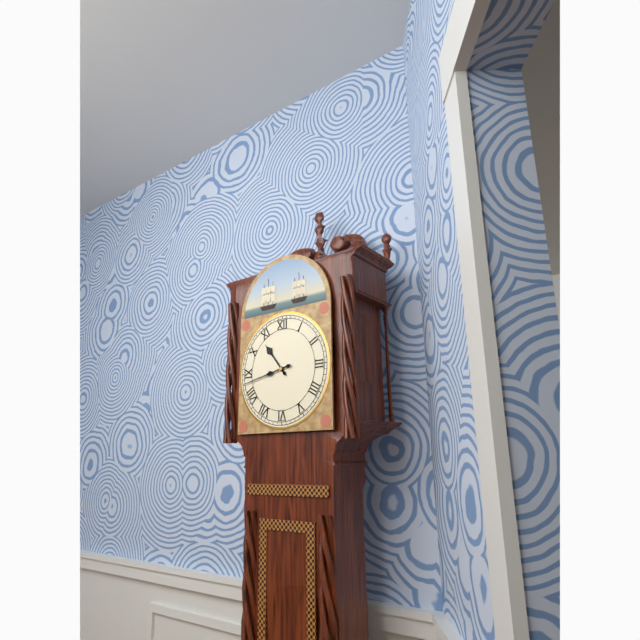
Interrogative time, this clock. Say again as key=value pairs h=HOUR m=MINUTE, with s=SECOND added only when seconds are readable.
h=10 m=43
